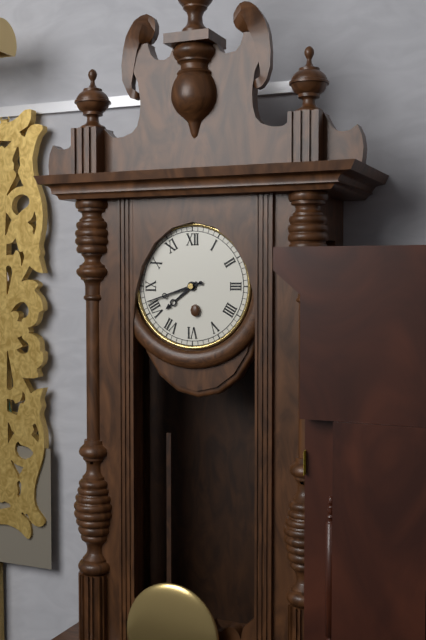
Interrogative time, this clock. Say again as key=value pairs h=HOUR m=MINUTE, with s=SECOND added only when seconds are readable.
h=7 m=42
